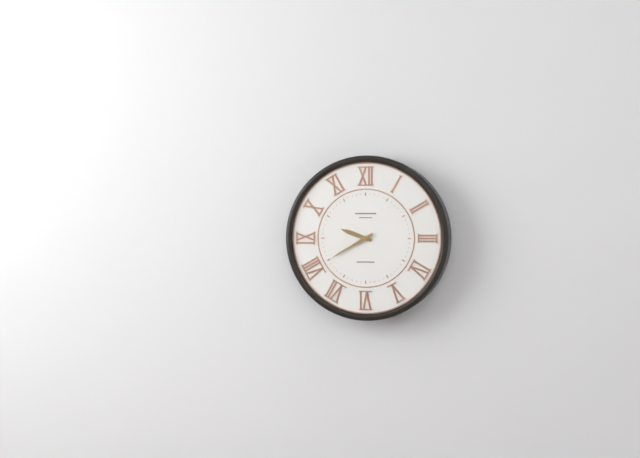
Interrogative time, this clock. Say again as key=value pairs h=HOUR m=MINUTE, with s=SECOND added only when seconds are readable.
h=9 m=40
